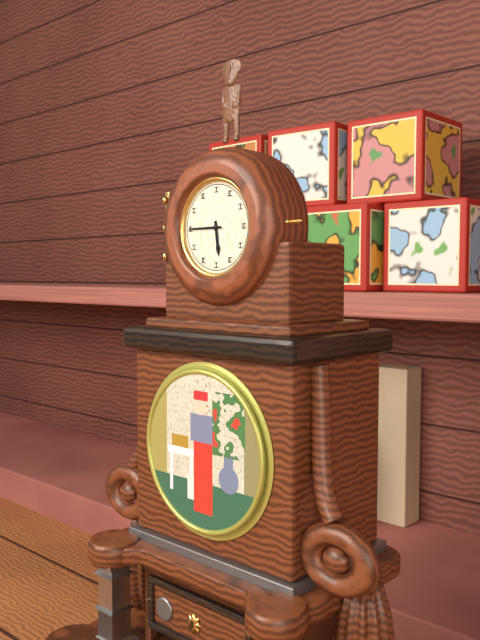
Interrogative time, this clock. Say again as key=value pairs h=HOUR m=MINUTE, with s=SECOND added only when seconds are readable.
h=5 m=45
